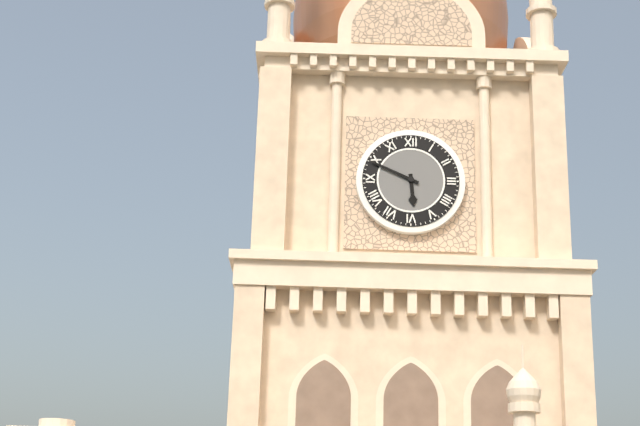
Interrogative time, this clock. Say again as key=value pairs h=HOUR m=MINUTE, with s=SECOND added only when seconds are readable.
h=5 m=49
